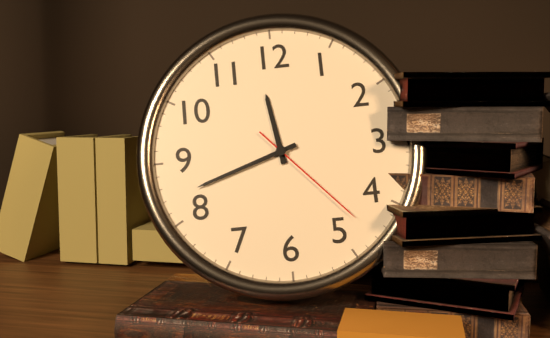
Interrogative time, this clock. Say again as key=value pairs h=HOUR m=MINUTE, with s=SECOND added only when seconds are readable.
h=11 m=42 s=23
